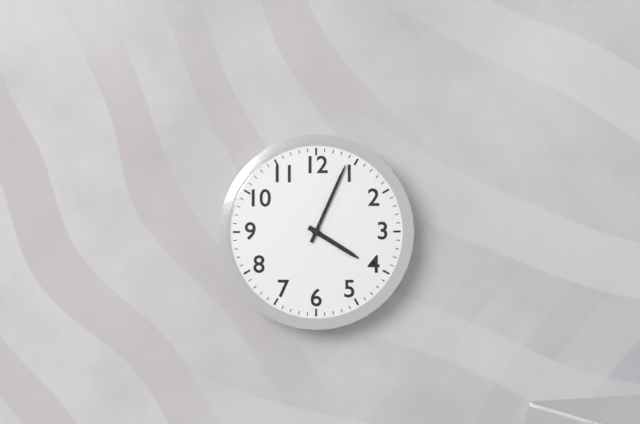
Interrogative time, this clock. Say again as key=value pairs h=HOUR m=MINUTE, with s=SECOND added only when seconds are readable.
h=4 m=4
